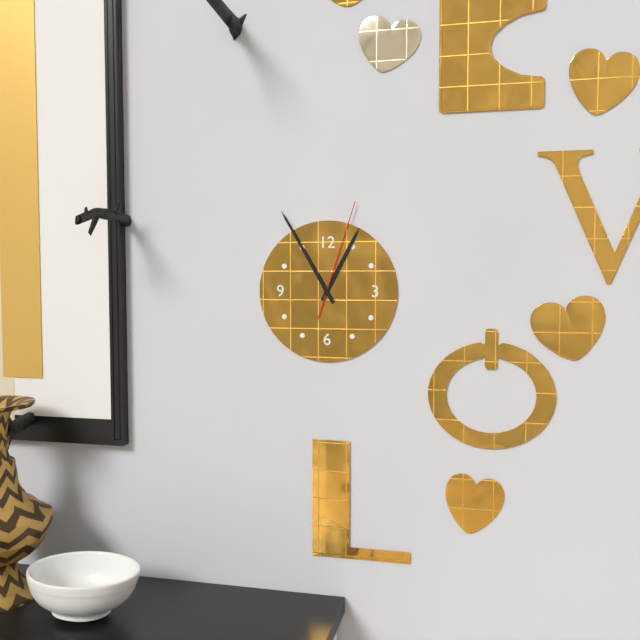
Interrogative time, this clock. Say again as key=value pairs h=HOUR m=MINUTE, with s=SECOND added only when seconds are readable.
h=12 m=55 s=3
